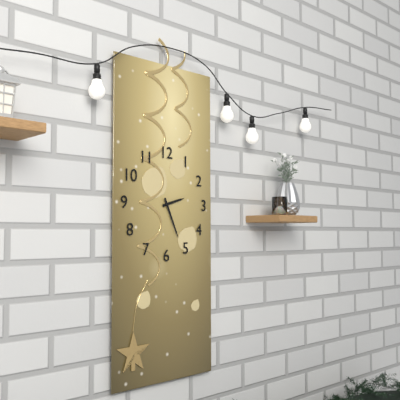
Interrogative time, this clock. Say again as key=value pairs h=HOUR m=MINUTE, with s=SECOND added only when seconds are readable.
h=2 m=26
